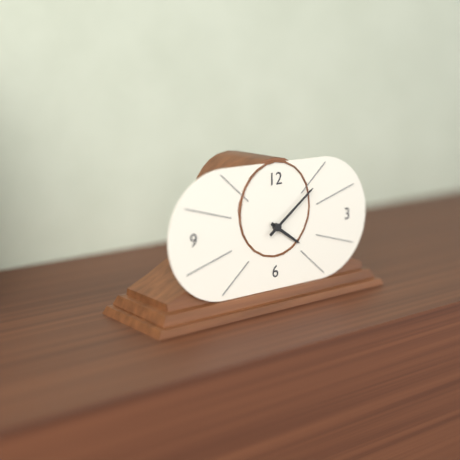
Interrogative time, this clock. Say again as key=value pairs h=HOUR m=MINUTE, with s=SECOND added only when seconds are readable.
h=4 m=9
